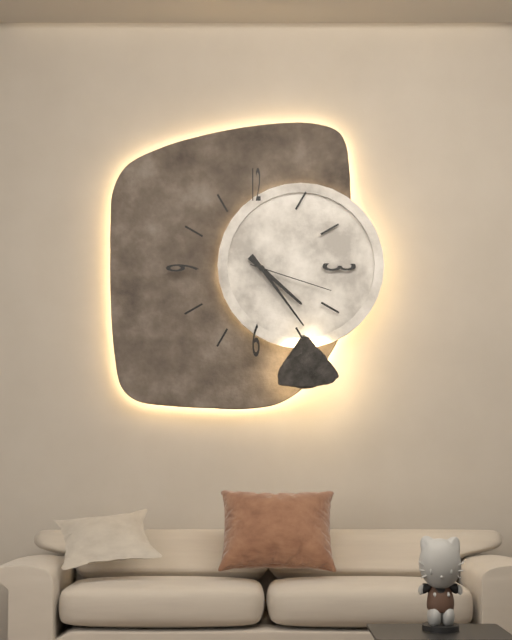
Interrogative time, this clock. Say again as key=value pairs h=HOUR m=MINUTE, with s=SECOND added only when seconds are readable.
h=4 m=24 s=18
